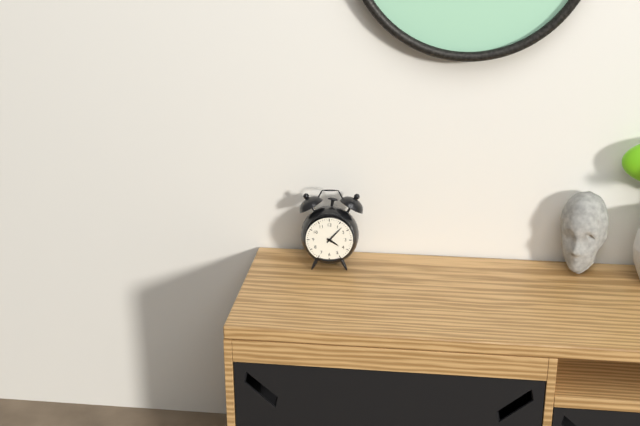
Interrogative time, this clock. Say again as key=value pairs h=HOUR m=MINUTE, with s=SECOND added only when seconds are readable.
h=4 m=7
